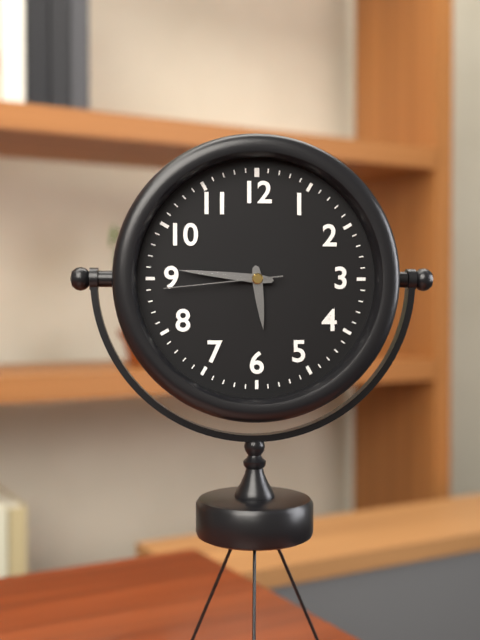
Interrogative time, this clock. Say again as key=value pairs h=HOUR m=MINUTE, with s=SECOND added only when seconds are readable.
h=5 m=46 s=44
